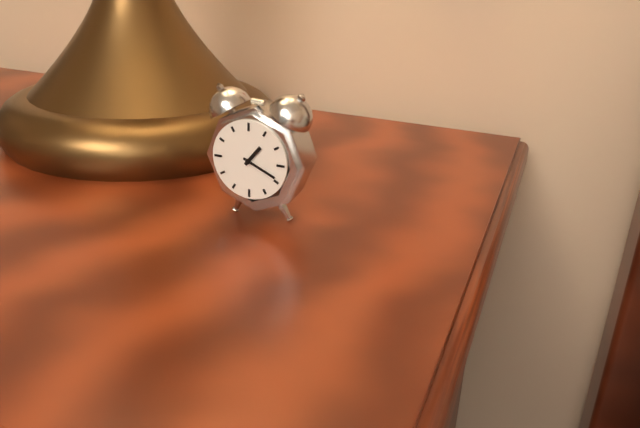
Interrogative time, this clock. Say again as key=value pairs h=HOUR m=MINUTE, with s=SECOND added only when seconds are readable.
h=1 m=19
